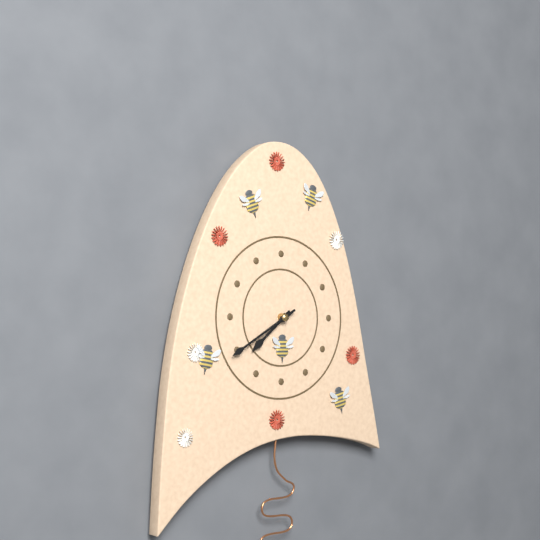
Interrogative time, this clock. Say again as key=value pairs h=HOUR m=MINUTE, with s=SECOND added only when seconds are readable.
h=7 m=40
